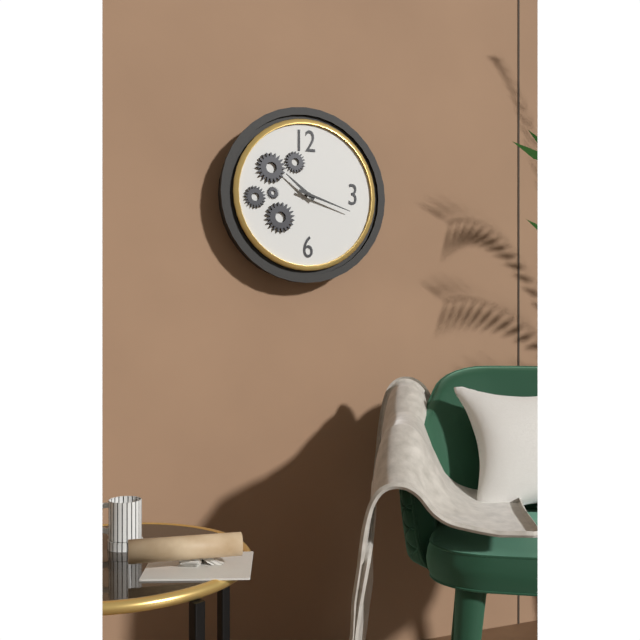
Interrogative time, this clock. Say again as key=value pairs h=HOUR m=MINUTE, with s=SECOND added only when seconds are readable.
h=10 m=18
